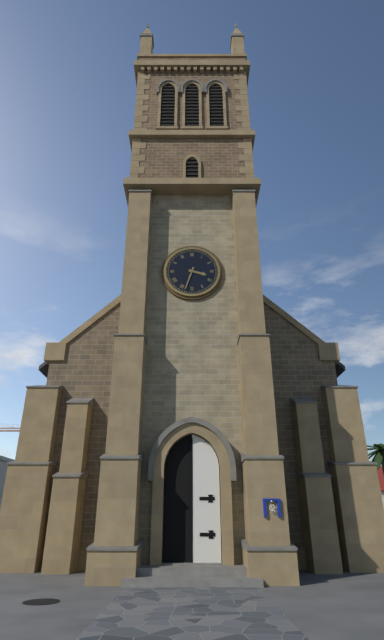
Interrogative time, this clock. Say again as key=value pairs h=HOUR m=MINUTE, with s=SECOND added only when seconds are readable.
h=3 m=33
